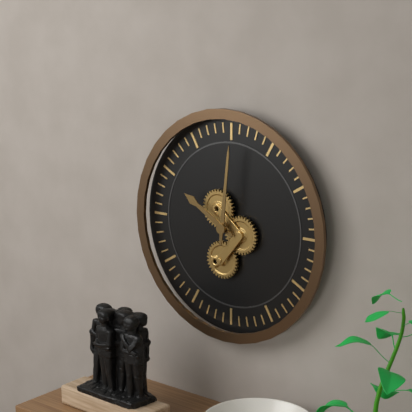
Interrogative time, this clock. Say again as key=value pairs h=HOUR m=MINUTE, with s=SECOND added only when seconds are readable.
h=10 m=1
